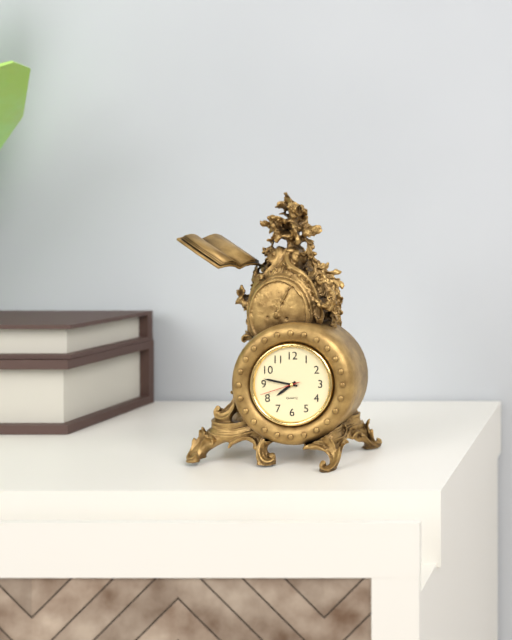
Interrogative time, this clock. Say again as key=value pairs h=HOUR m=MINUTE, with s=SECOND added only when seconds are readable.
h=7 m=47
